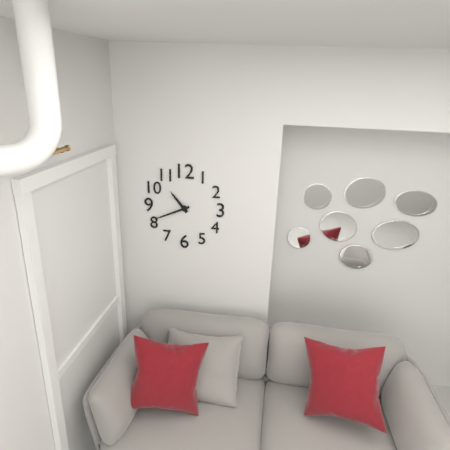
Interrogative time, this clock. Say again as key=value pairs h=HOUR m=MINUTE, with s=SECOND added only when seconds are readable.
h=10 m=41
